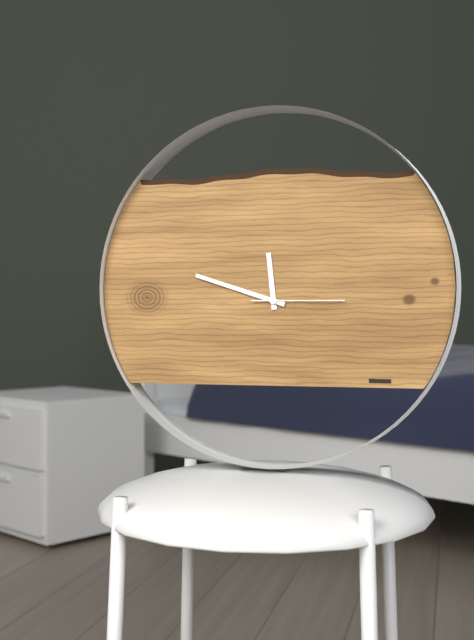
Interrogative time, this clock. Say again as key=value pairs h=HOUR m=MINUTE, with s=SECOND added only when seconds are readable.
h=11 m=48 s=15
